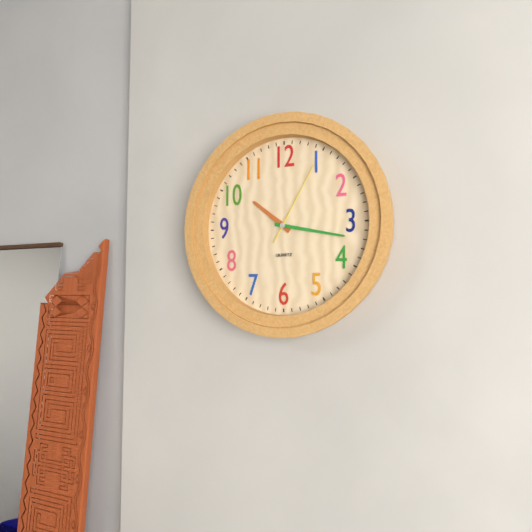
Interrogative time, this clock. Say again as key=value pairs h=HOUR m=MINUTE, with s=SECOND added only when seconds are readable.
h=10 m=17 s=5
